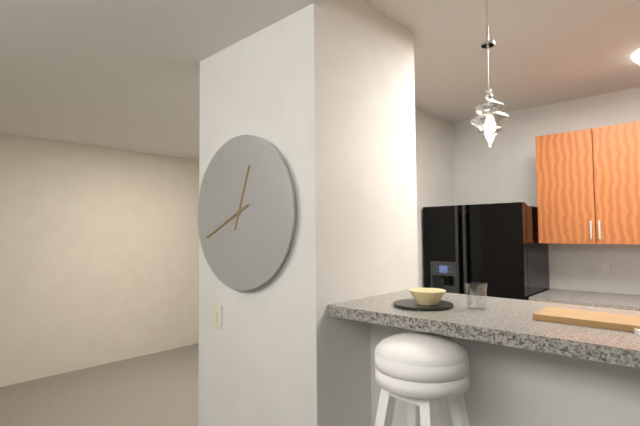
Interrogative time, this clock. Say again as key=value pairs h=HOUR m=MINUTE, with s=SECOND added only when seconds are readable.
h=12 m=41
